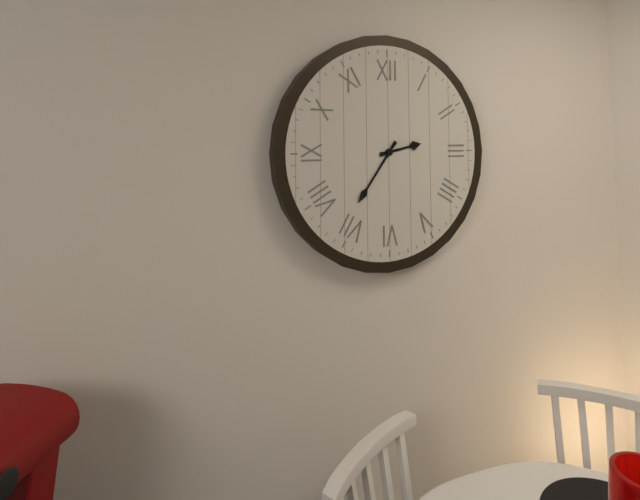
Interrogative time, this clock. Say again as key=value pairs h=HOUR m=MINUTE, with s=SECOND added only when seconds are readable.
h=2 m=36
